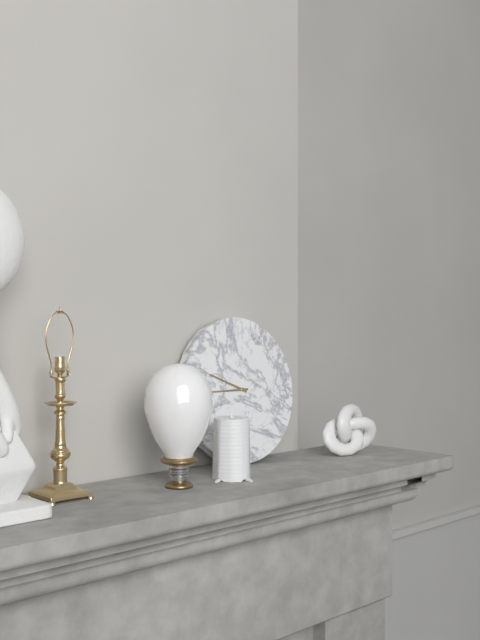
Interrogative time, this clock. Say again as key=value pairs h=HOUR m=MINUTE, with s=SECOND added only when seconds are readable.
h=9 m=45
